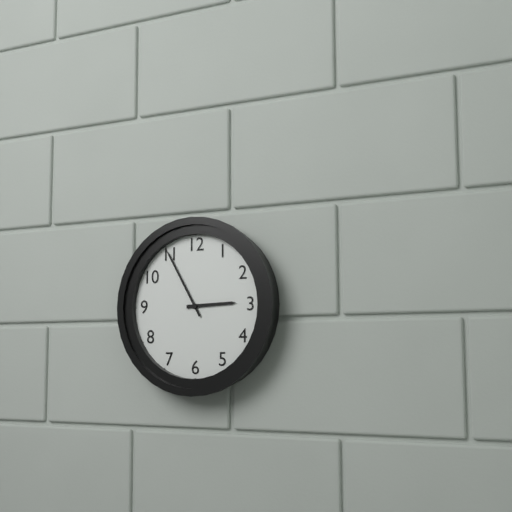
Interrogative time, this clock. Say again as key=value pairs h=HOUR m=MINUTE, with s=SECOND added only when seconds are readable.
h=2 m=55
